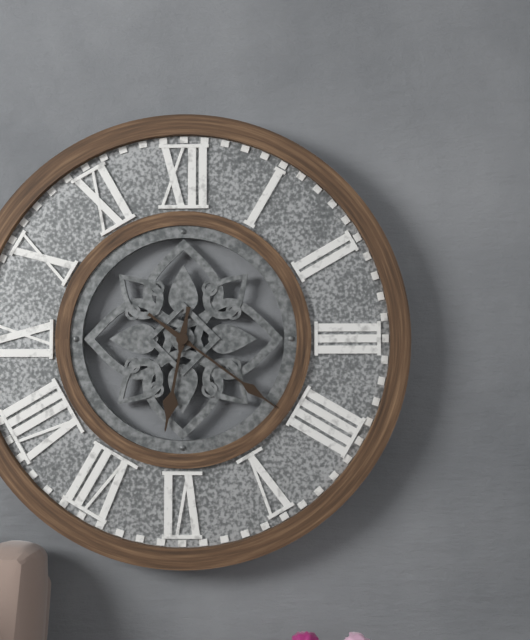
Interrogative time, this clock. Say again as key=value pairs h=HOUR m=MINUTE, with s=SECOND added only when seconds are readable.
h=6 m=21
